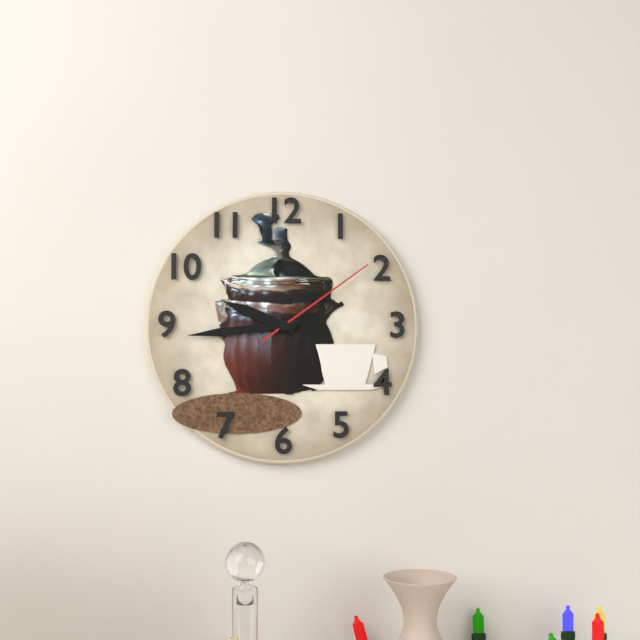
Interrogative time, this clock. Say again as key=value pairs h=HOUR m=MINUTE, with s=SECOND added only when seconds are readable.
h=9 m=44 s=9
